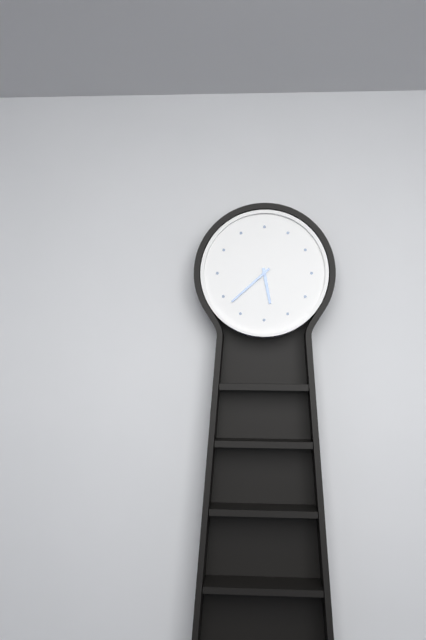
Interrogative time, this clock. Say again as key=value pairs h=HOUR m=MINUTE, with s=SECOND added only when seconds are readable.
h=5 m=38
